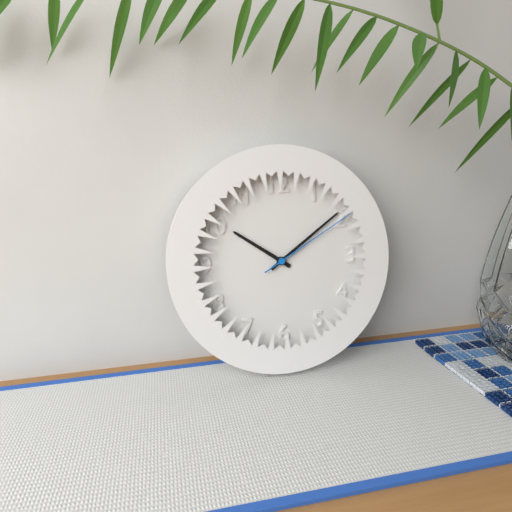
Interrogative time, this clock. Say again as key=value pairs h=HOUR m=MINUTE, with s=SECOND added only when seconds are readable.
h=10 m=9 s=10
